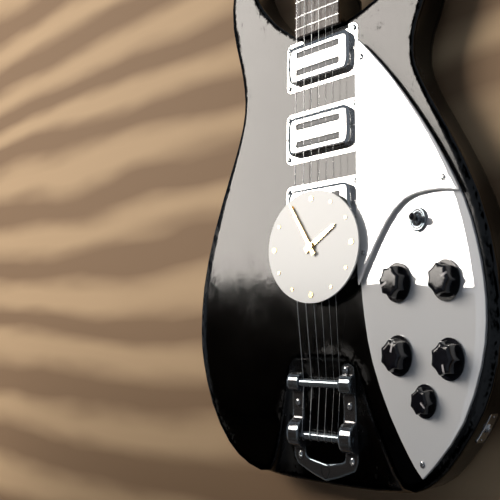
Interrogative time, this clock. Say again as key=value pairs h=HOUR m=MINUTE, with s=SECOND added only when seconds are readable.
h=1 m=55
